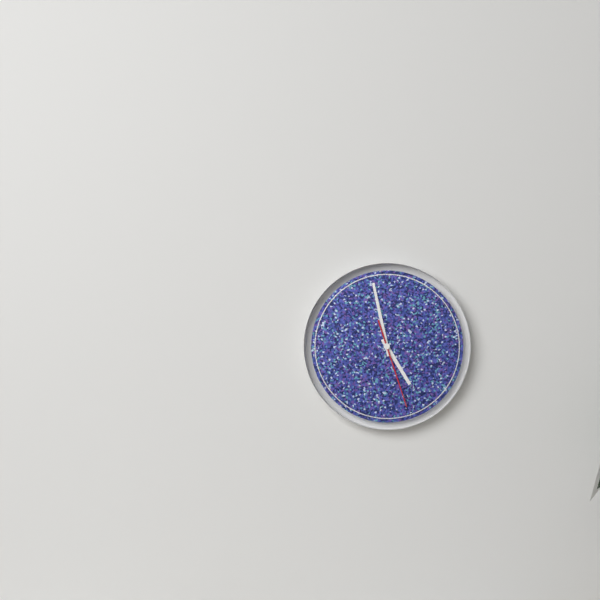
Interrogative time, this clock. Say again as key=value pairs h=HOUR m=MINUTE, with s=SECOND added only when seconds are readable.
h=4 m=58 s=27
